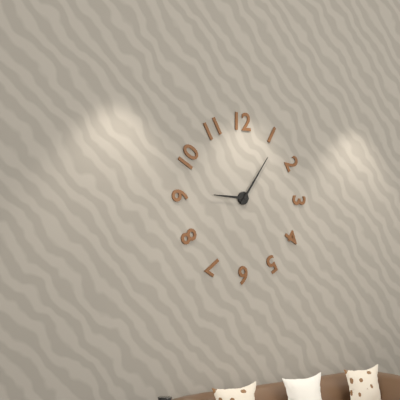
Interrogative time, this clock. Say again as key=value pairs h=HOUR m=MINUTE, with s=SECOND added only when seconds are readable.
h=9 m=6
